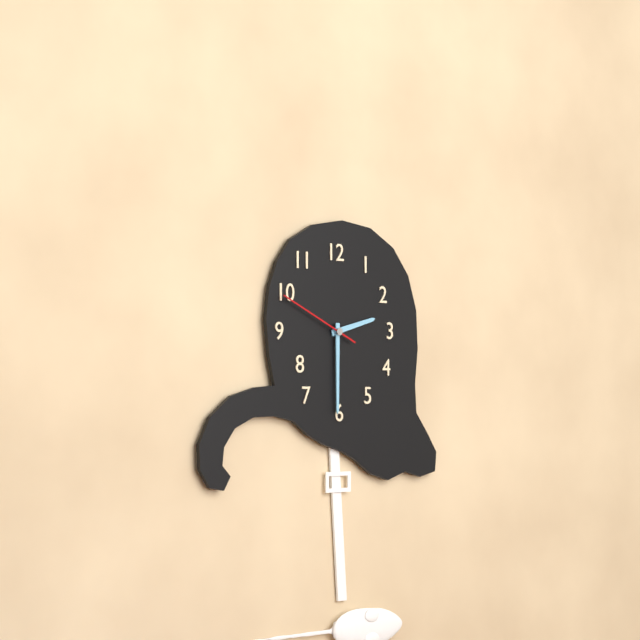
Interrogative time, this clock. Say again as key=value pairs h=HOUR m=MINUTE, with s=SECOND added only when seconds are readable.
h=2 m=30 s=49
